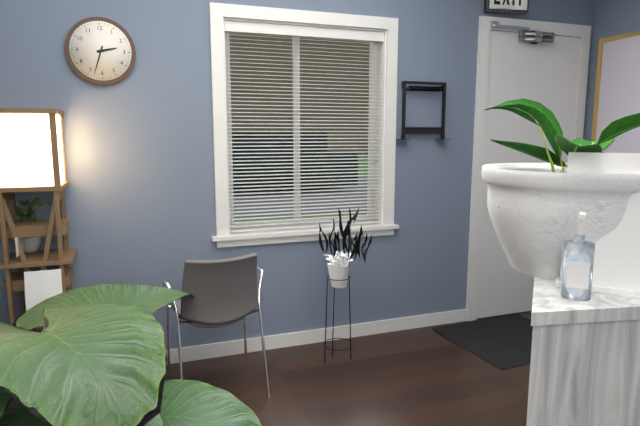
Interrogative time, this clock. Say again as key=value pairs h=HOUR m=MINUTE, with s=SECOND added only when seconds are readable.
h=2 m=33
